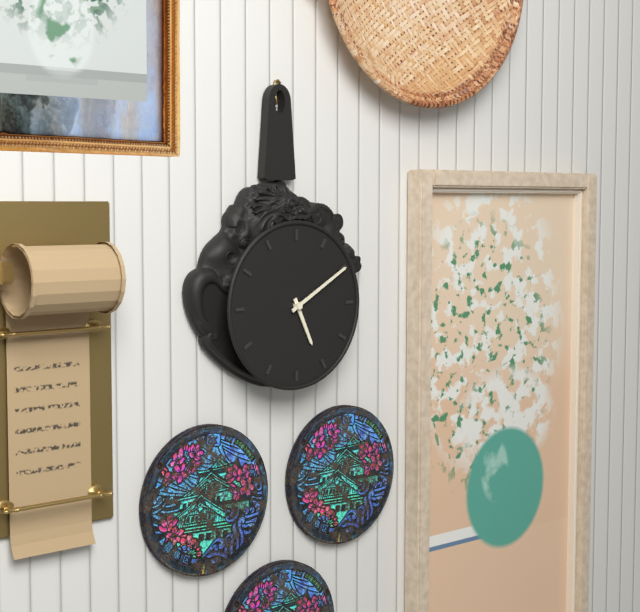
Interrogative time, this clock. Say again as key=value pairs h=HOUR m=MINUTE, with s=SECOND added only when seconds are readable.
h=5 m=10
